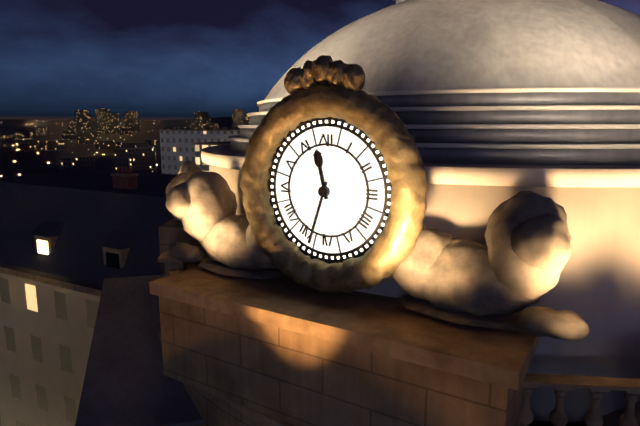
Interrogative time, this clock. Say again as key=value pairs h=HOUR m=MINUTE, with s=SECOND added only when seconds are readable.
h=11 m=33
